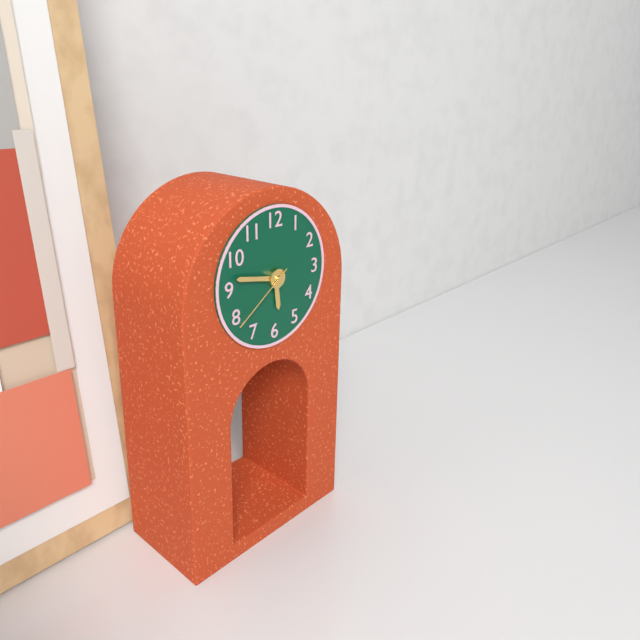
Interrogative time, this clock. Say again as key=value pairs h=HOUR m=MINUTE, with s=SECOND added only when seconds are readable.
h=5 m=47 s=39
